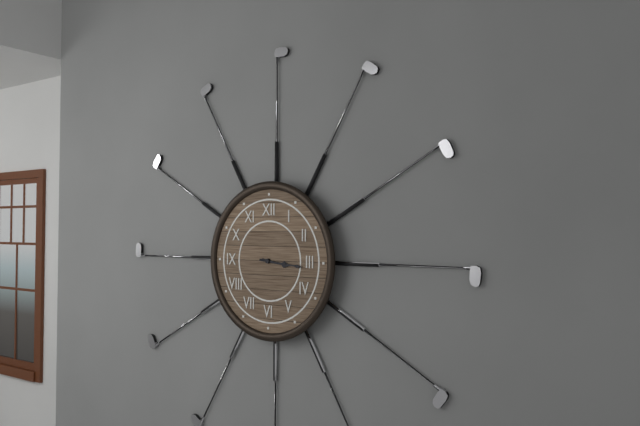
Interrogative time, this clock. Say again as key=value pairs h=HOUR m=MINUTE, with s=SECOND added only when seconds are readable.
h=3 m=16
